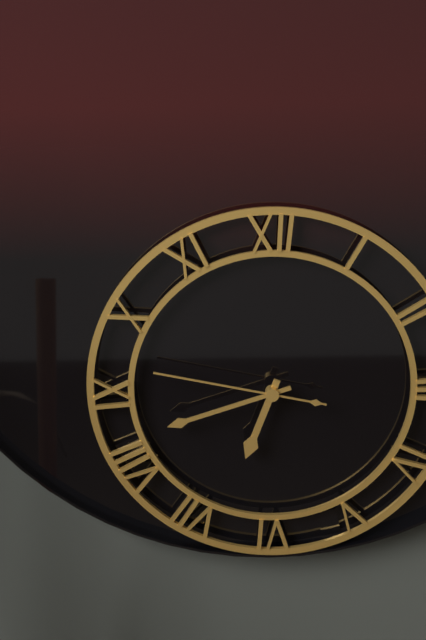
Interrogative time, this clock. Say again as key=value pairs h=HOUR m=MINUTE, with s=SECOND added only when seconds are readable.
h=6 m=42 s=47
